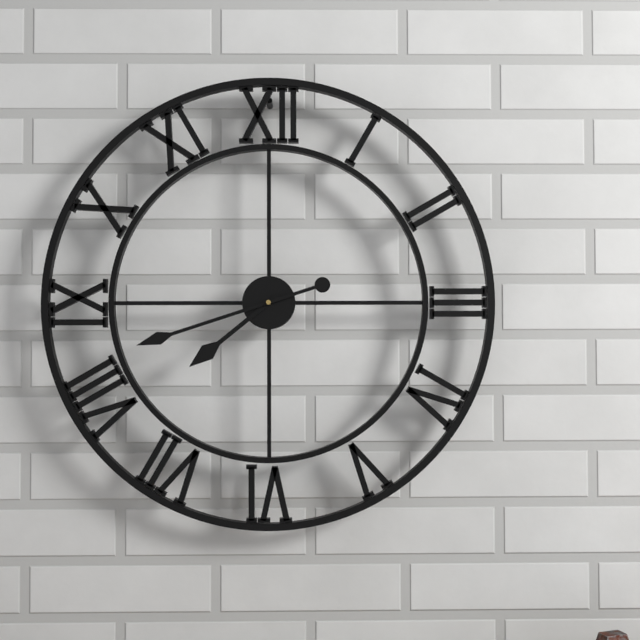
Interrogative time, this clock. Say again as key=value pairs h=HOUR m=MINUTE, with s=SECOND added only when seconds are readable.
h=7 m=42
